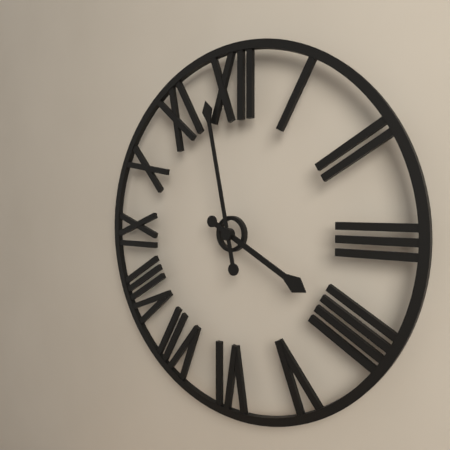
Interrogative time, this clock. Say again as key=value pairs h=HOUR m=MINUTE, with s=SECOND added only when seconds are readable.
h=3 m=58
